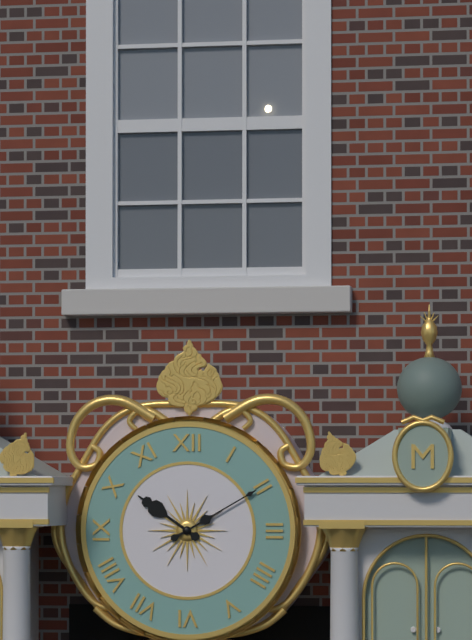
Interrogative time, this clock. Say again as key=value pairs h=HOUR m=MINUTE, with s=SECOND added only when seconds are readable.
h=10 m=10
